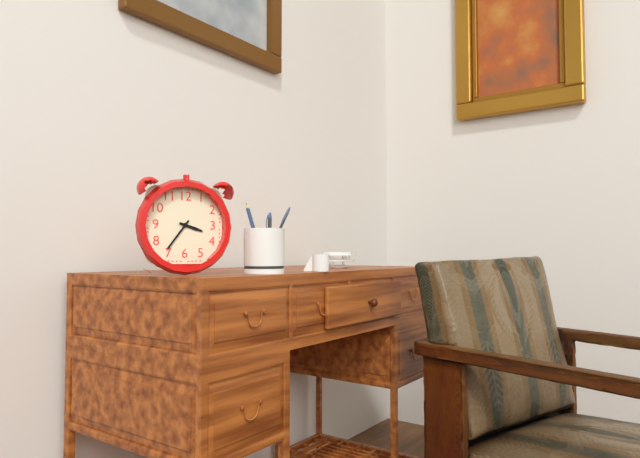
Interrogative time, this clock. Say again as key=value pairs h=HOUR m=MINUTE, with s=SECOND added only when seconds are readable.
h=3 m=36
